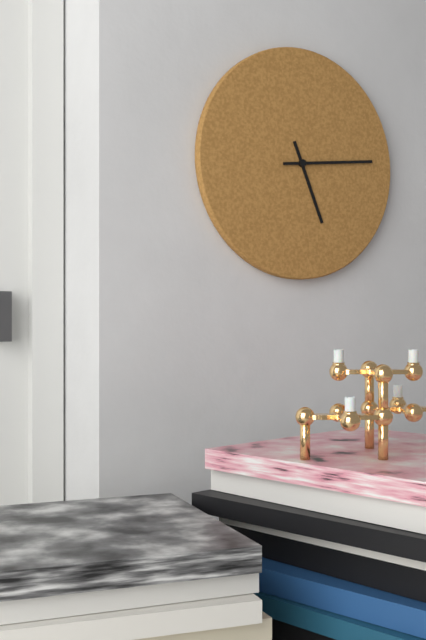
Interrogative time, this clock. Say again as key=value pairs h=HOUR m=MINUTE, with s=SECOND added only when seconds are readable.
h=5 m=14
